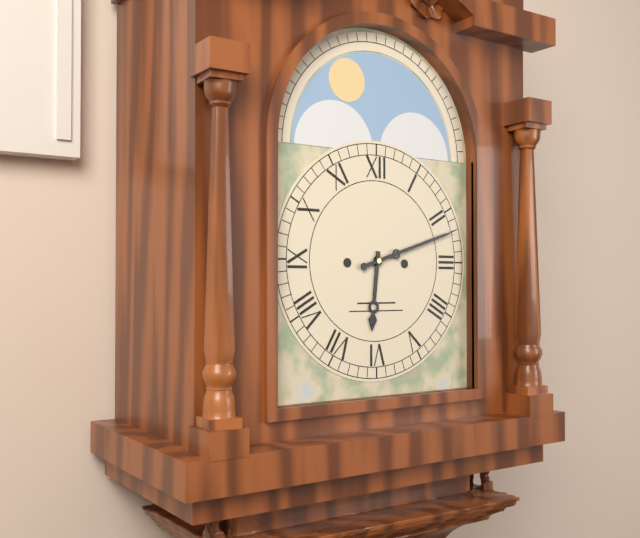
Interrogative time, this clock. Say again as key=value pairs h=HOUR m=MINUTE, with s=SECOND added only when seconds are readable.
h=6 m=12
